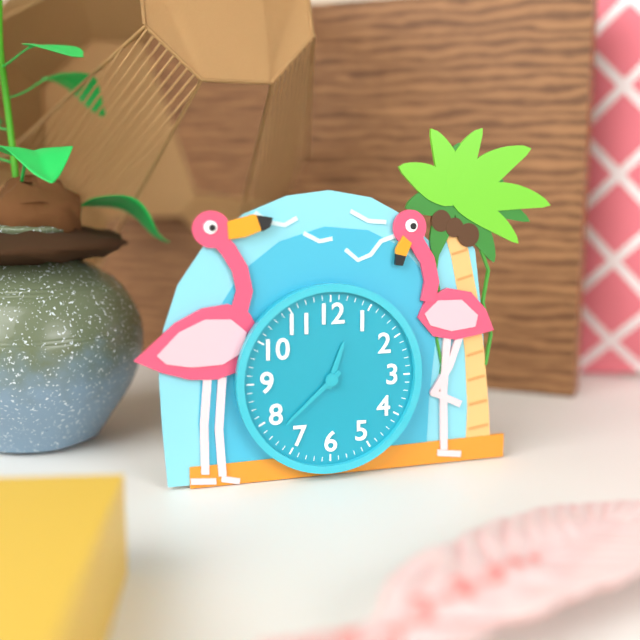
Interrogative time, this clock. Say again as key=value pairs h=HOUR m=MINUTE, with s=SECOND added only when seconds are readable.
h=12 m=38
